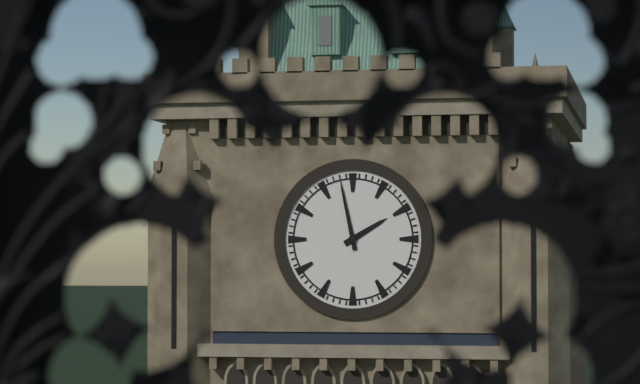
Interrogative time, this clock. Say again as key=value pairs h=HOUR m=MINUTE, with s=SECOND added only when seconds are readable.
h=1 m=58
